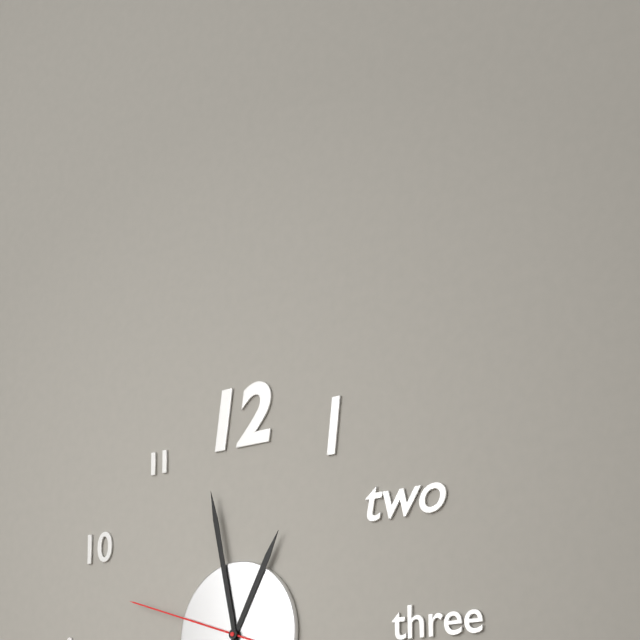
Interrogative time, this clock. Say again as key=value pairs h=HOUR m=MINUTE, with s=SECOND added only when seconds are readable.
h=12 m=58 s=48
